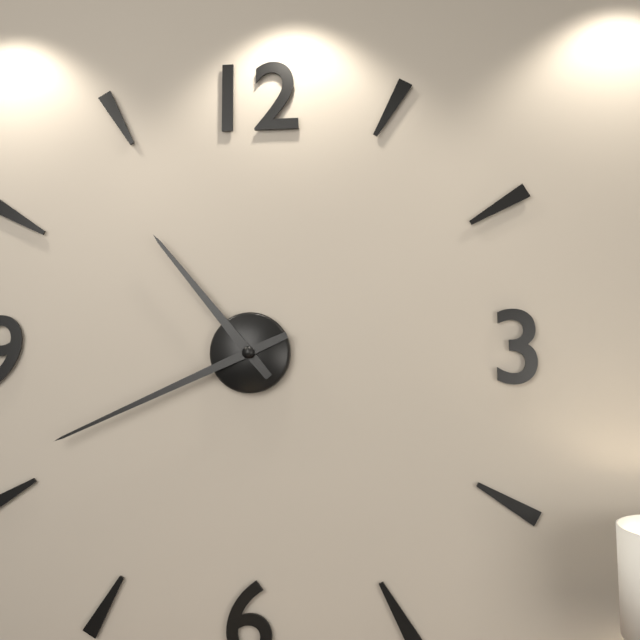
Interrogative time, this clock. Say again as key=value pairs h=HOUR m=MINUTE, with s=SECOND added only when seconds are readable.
h=10 m=41
